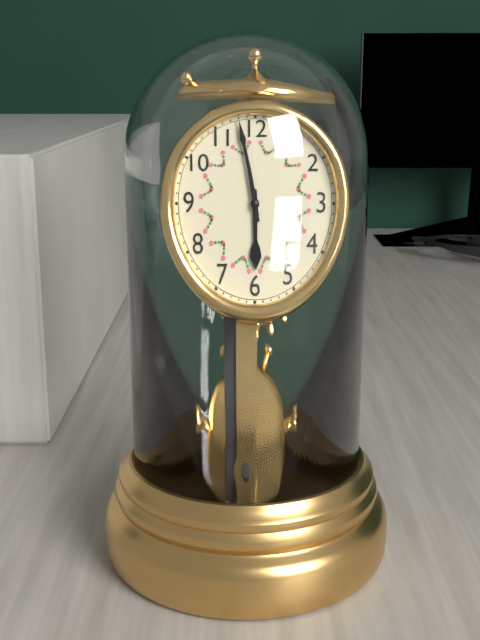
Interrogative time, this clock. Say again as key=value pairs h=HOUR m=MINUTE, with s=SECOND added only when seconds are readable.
h=5 m=58
